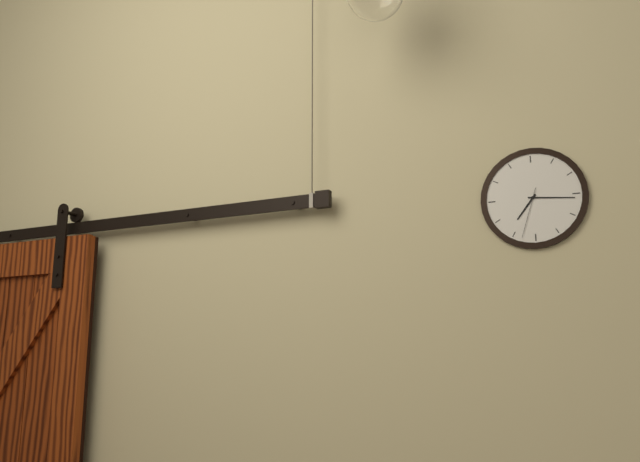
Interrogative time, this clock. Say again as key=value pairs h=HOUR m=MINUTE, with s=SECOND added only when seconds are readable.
h=7 m=16 s=33
